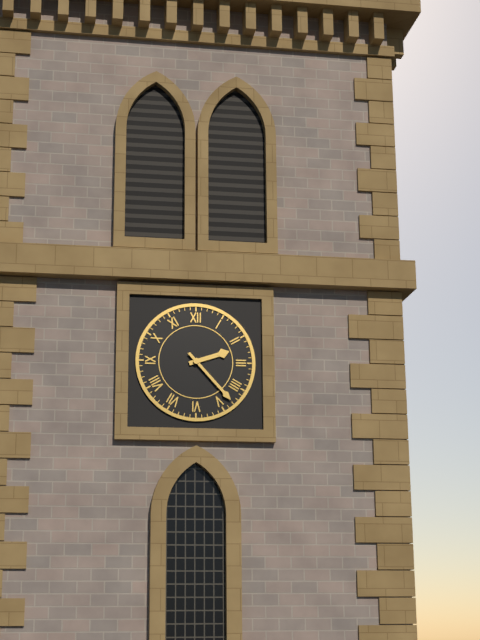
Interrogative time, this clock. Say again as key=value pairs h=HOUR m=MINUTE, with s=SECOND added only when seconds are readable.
h=2 m=23
